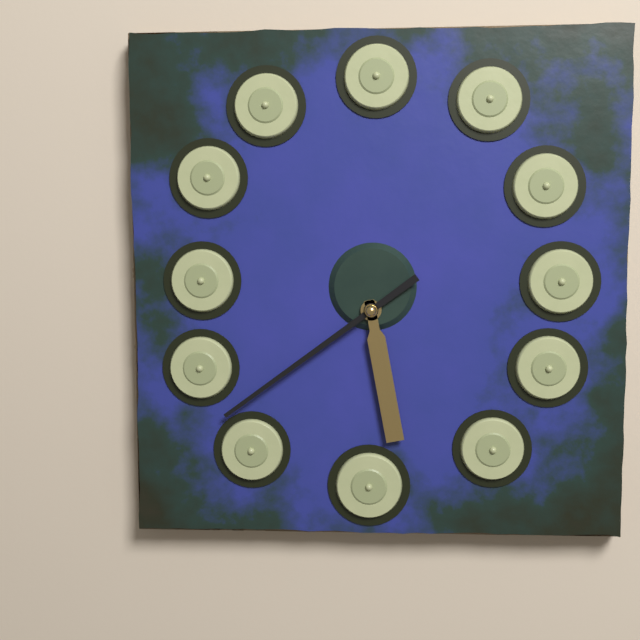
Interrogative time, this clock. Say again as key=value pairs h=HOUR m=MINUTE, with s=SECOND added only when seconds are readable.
h=5 m=39
